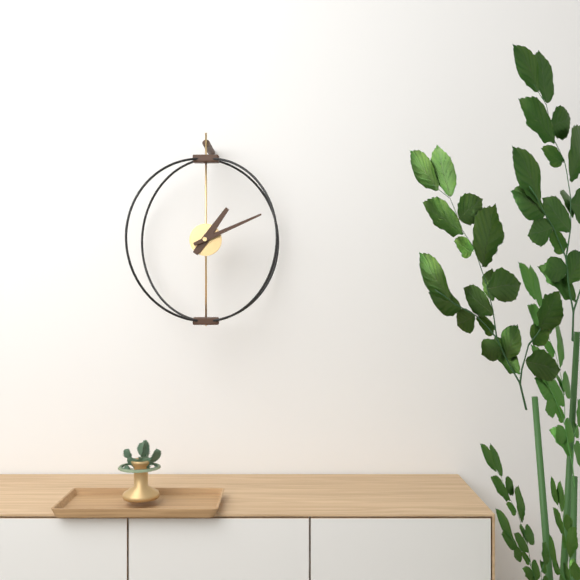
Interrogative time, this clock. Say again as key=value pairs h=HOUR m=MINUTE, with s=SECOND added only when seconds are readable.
h=1 m=11
